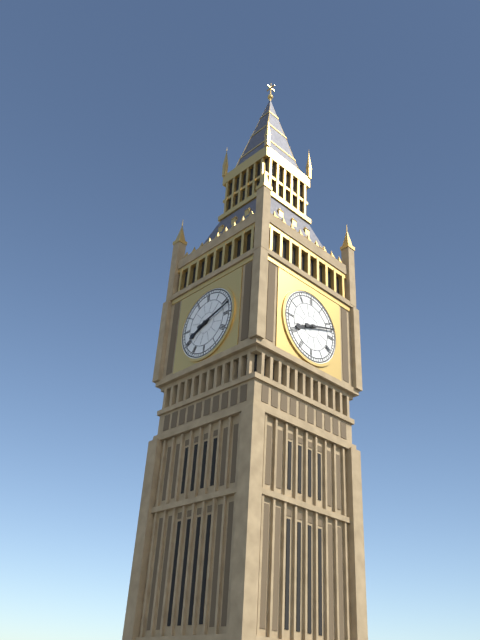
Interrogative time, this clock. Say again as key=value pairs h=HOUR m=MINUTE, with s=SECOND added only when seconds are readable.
h=8 m=12
